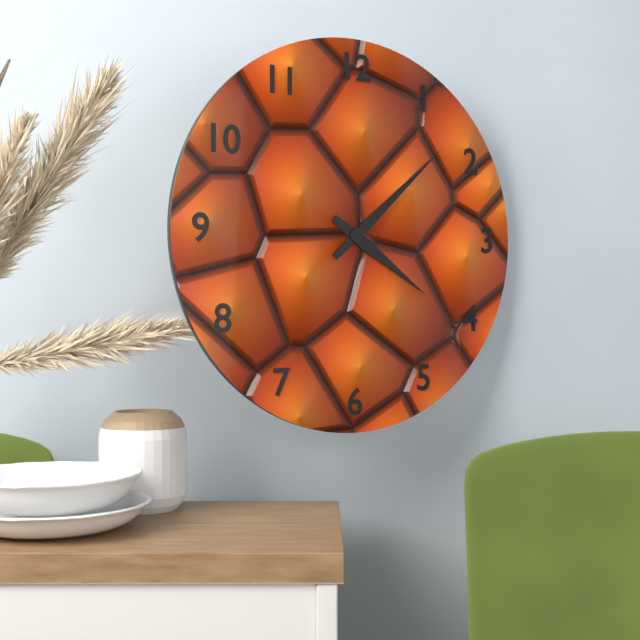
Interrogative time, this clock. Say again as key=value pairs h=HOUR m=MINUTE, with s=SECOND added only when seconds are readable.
h=4 m=8
